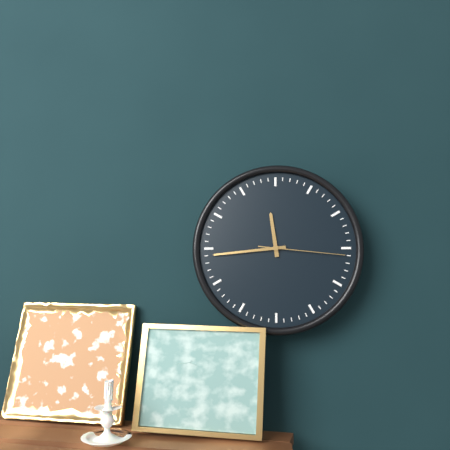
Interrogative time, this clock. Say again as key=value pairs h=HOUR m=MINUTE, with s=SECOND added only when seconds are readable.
h=11 m=44 s=16
